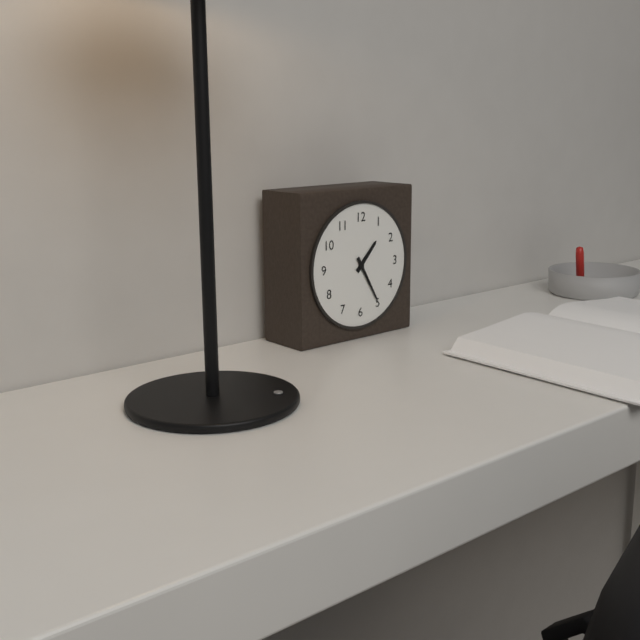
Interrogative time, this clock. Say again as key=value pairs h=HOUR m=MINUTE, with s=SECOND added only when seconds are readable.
h=1 m=25
